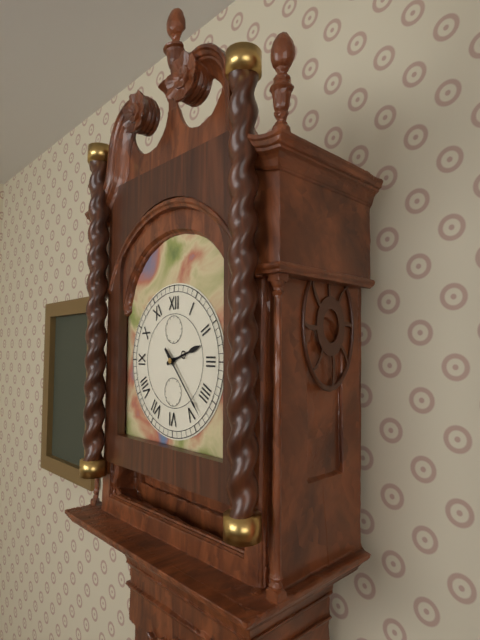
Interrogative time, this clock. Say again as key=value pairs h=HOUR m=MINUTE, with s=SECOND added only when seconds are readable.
h=2 m=23
